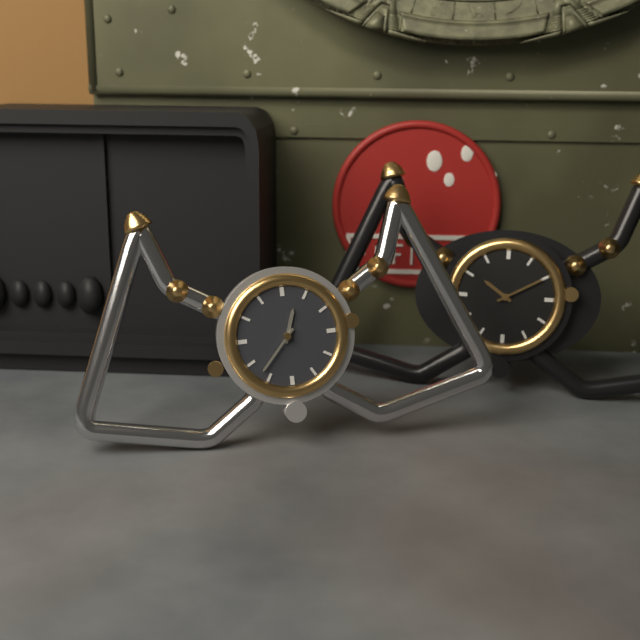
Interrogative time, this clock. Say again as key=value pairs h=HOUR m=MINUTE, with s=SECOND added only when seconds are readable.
h=12 m=37
